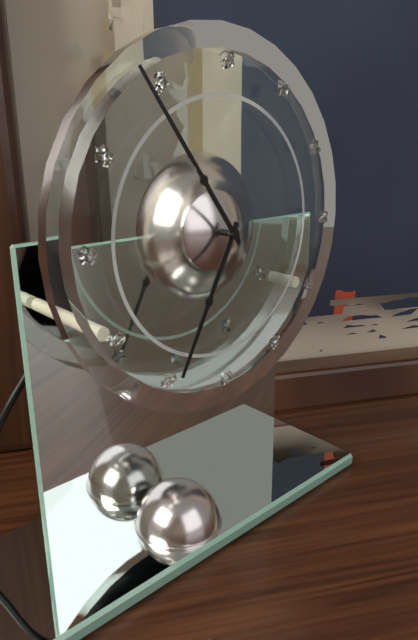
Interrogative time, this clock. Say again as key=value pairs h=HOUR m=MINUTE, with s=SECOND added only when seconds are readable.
h=6 m=54
